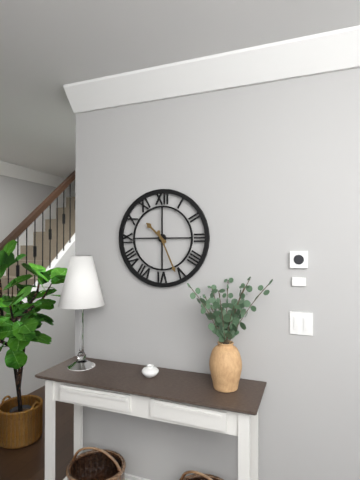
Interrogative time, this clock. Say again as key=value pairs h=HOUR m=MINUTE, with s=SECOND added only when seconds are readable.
h=10 m=26
